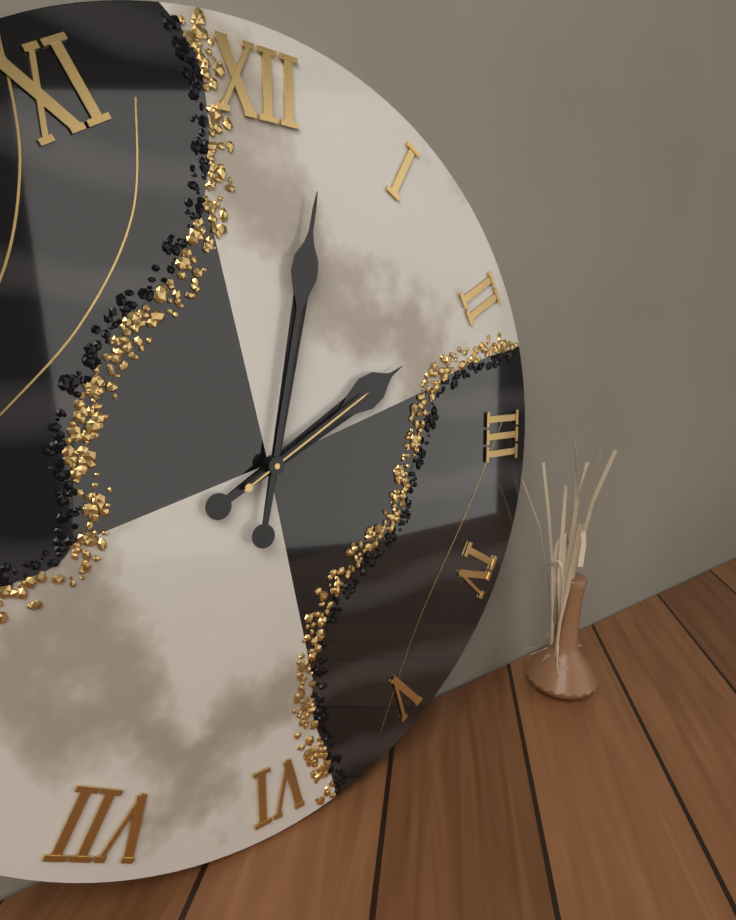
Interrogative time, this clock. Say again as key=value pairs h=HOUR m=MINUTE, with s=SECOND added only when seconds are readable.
h=2 m=2 s=10
